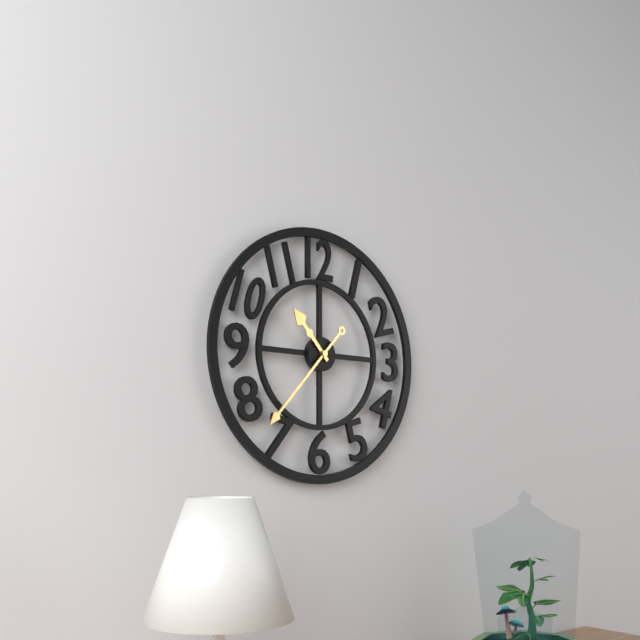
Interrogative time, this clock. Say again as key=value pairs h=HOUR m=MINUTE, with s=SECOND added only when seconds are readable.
h=10 m=37
